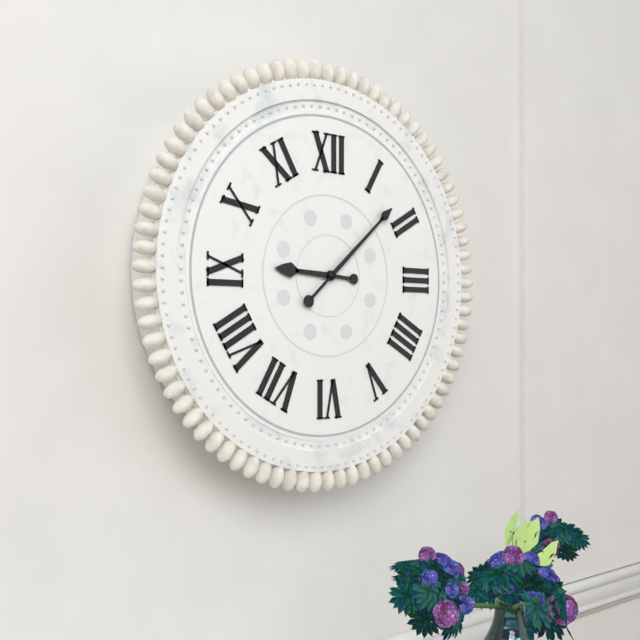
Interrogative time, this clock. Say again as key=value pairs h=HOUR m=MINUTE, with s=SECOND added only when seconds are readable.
h=9 m=8
